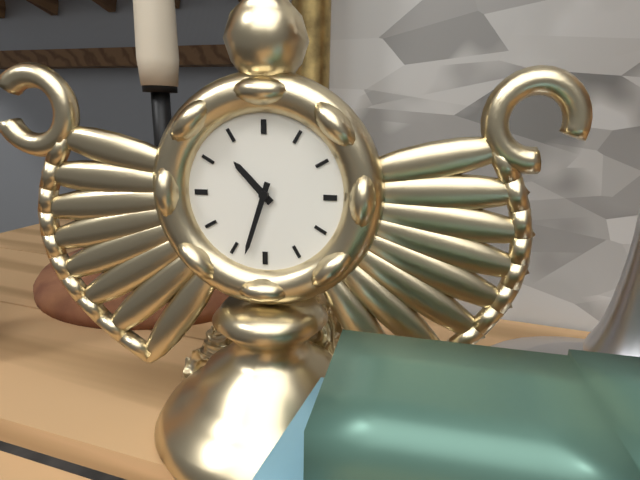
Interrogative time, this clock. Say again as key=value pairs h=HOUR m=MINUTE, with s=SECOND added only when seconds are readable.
h=10 m=33
